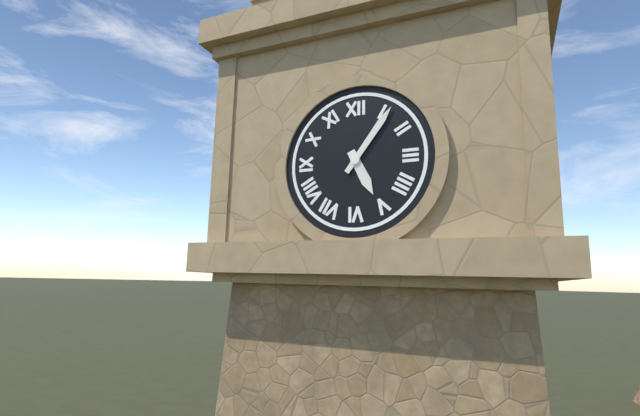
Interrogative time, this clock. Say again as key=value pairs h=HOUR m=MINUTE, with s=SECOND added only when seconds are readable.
h=5 m=6
